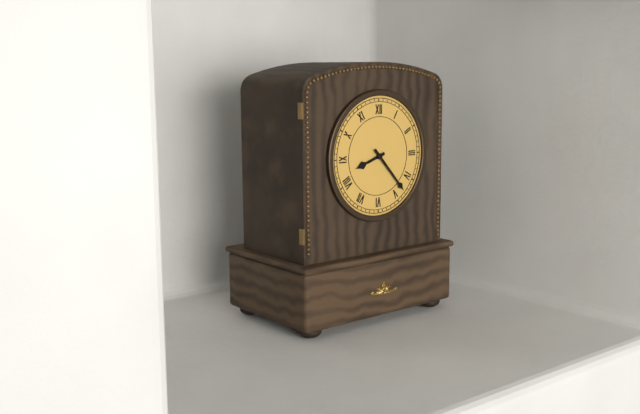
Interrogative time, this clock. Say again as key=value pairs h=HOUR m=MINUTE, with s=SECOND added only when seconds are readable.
h=8 m=23
